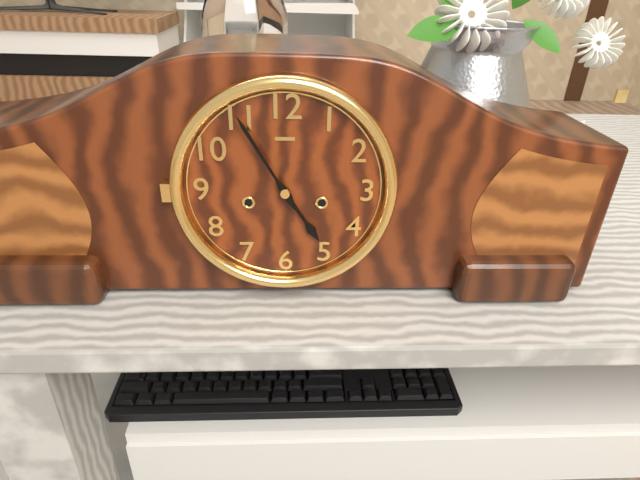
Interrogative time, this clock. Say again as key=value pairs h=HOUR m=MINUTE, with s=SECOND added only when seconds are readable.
h=4 m=55
